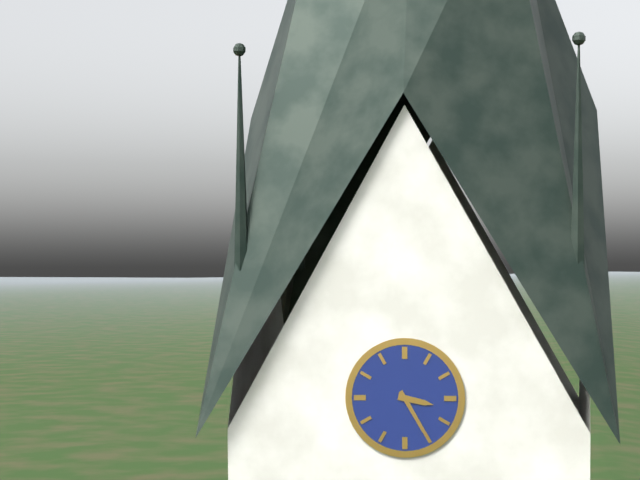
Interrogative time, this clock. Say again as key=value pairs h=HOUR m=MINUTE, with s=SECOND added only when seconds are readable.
h=3 m=25
